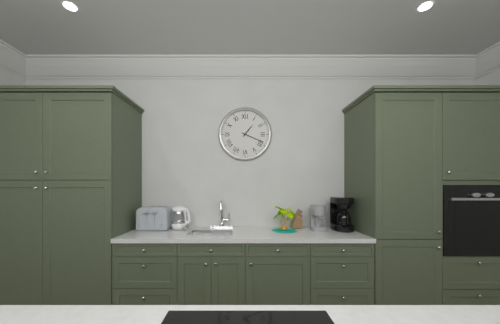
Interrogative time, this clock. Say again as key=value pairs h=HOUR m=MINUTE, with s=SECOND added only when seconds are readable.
h=1 m=19
